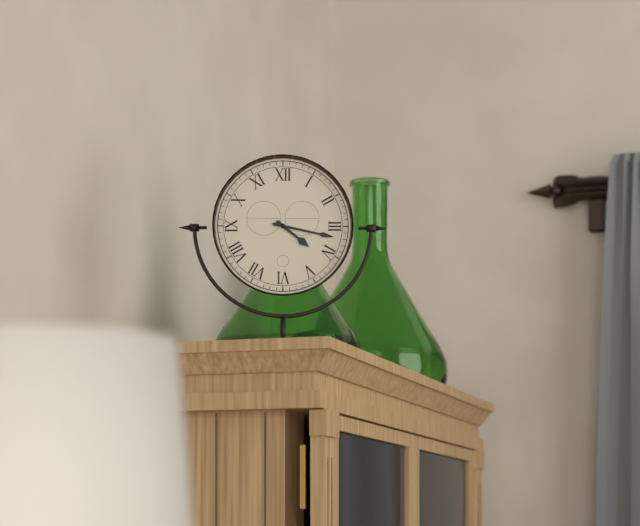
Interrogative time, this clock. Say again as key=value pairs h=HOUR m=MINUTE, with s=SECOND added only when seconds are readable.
h=4 m=17
